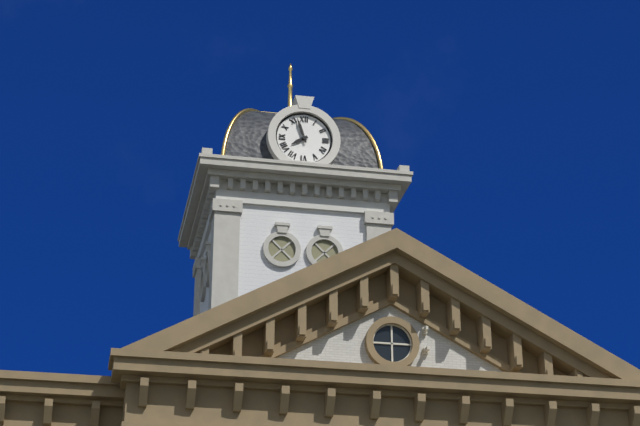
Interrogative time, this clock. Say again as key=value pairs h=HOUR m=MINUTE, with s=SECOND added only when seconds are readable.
h=7 m=57
